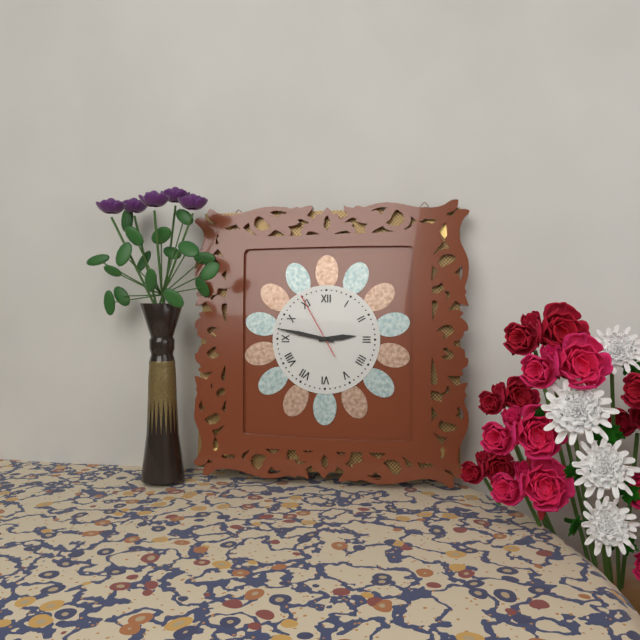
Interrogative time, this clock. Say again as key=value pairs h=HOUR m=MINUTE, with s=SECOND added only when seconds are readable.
h=2 m=47 s=55
